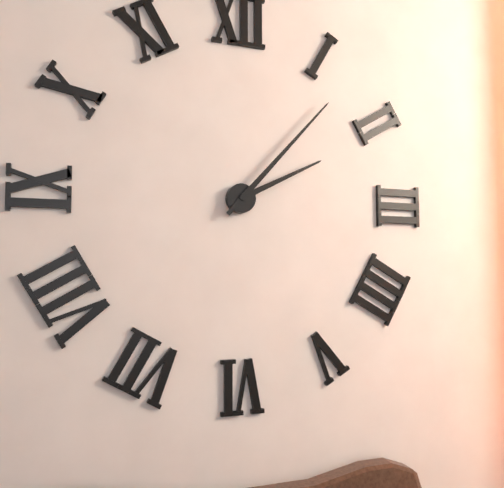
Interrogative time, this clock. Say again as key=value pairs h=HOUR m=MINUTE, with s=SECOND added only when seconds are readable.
h=2 m=7
